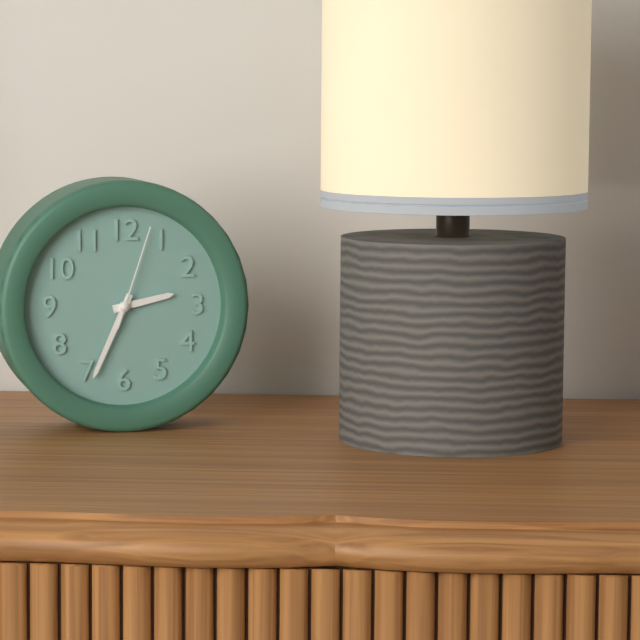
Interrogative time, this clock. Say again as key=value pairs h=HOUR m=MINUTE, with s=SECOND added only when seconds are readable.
h=2 m=34 s=3
